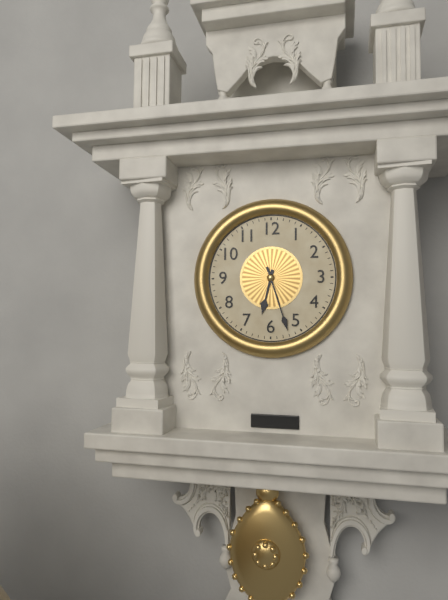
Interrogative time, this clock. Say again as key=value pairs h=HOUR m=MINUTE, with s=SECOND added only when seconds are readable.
h=6 m=27
